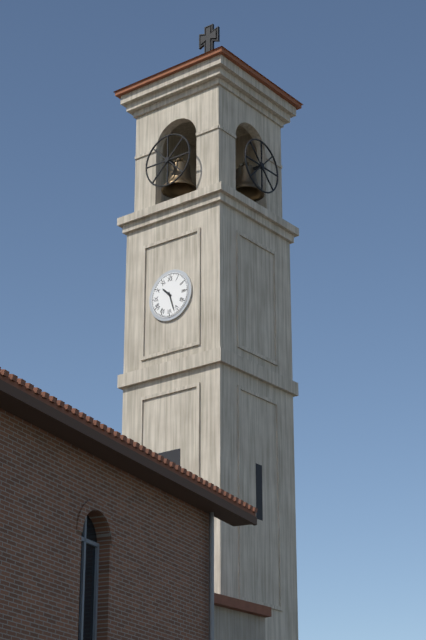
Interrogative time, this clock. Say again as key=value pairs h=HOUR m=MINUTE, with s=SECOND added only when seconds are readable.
h=10 m=27
